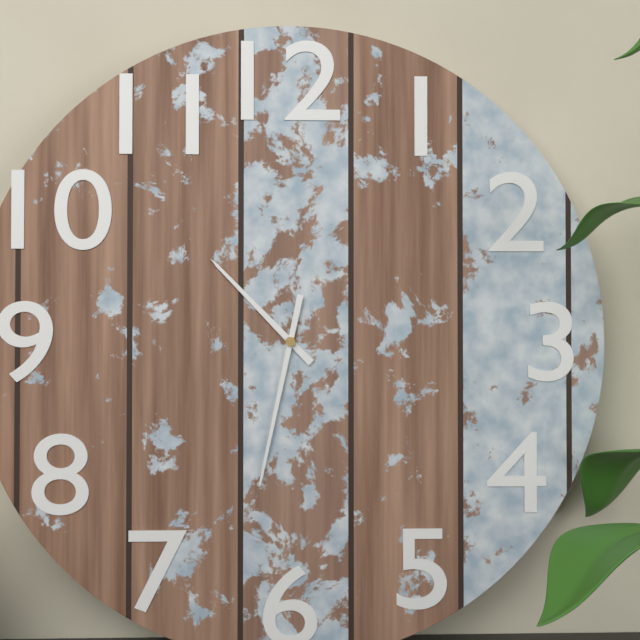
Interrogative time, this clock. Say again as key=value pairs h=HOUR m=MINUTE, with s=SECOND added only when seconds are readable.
h=10 m=32
